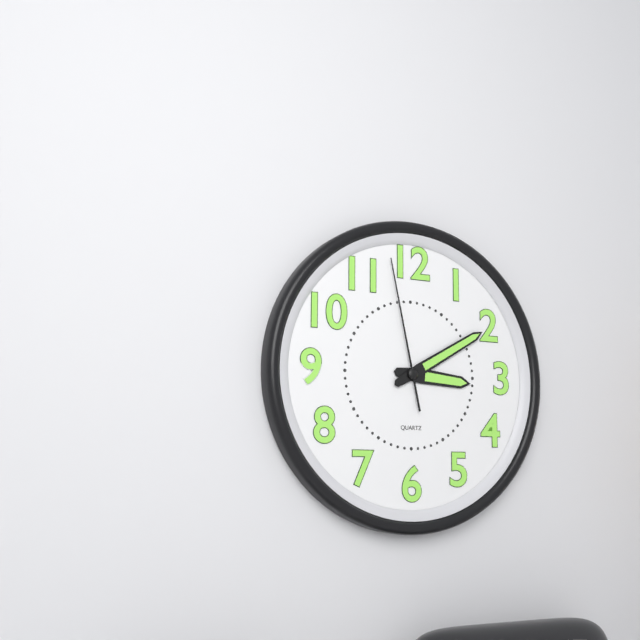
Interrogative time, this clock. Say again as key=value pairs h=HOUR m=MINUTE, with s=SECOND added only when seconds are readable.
h=3 m=10 s=58
